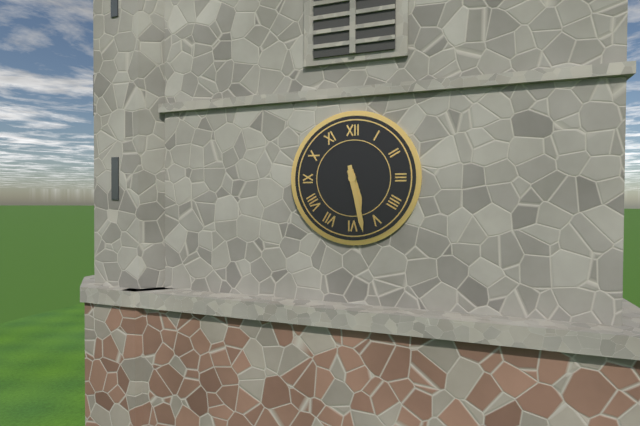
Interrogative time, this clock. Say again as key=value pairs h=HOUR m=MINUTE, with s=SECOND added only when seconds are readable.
h=5 m=28
